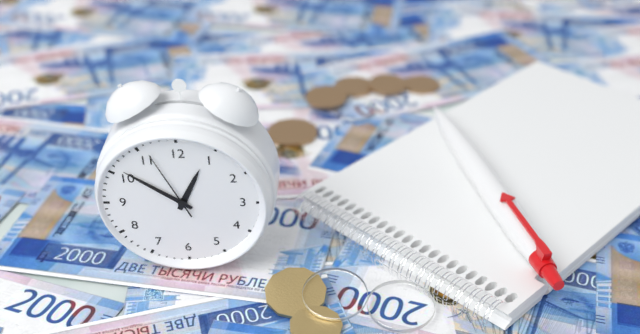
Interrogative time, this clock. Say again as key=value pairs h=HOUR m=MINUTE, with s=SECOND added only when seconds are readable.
h=12 m=51 s=56
